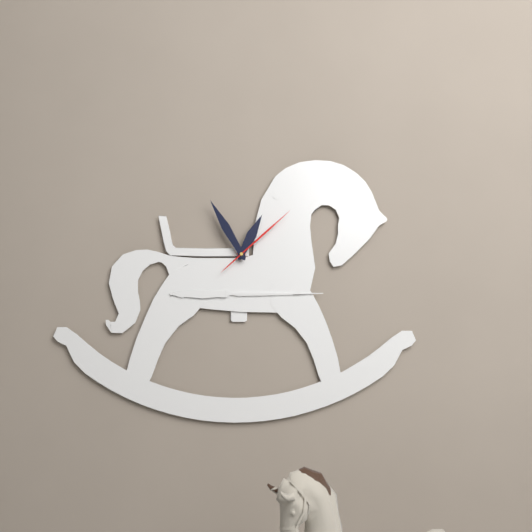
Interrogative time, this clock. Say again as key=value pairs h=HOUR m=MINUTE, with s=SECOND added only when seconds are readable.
h=12 m=55 s=8
